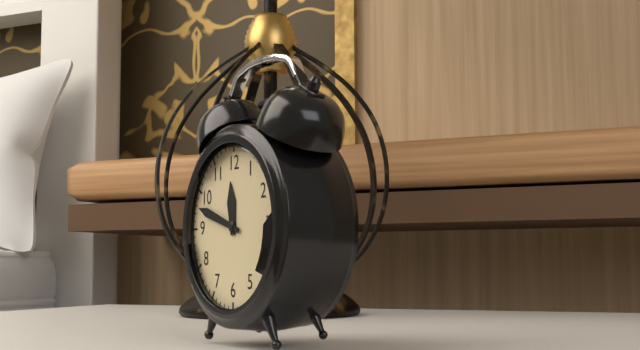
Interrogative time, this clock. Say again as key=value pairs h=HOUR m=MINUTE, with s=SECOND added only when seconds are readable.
h=11 m=48
